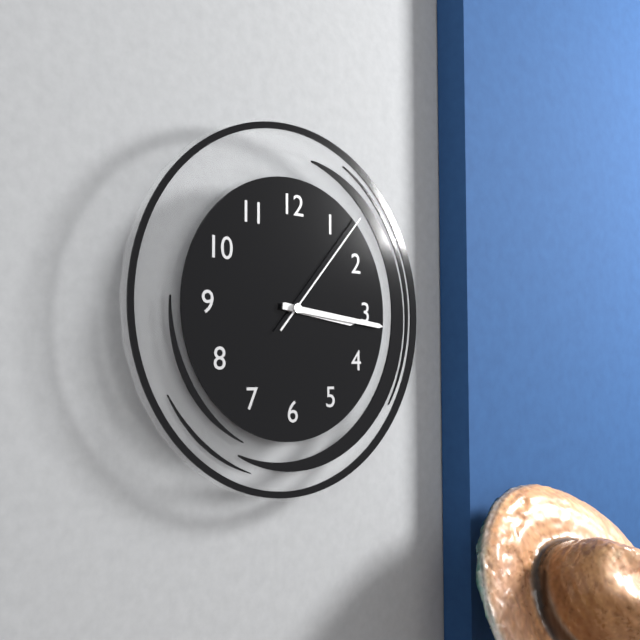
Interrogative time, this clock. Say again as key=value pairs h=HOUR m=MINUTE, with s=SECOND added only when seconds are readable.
h=3 m=16 s=7
